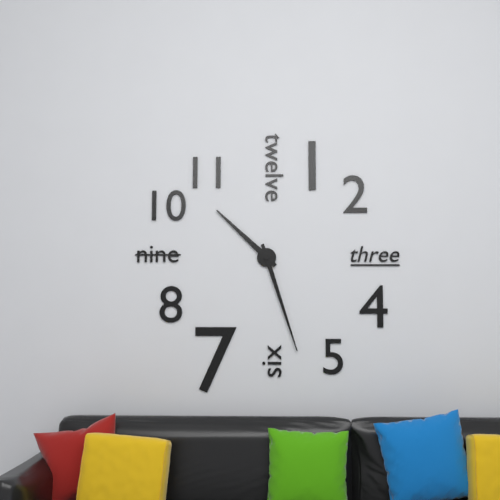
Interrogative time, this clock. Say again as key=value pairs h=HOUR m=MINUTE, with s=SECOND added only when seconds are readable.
h=10 m=27
